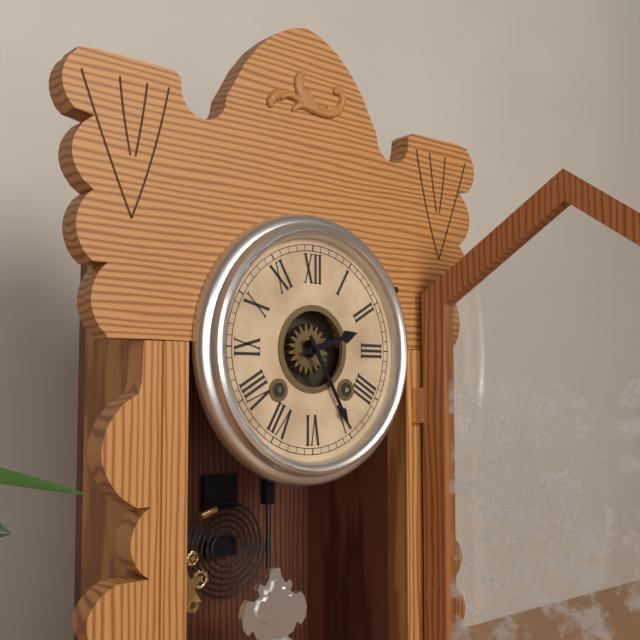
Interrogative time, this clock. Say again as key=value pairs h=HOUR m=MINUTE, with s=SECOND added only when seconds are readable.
h=2 m=25
